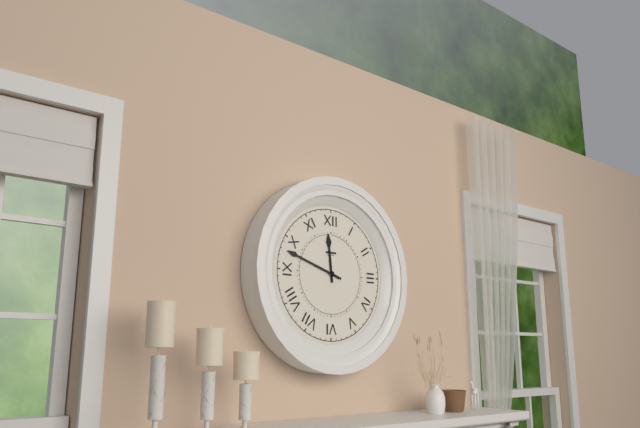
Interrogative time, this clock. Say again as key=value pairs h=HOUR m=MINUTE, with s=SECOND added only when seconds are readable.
h=11 m=48
